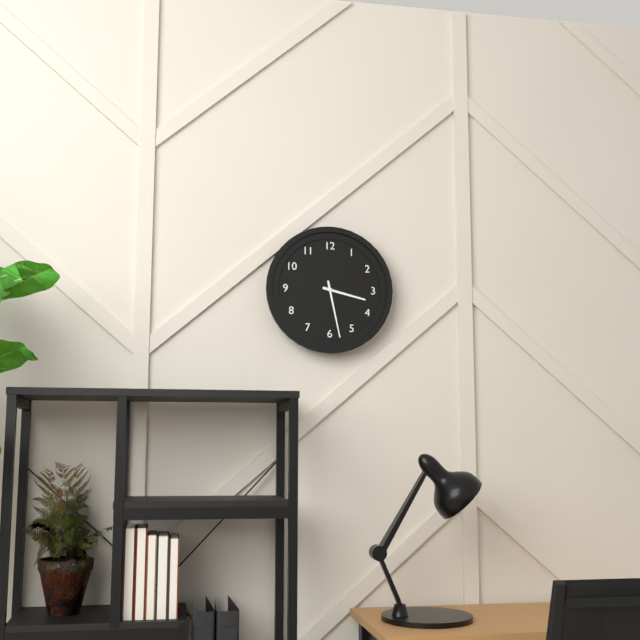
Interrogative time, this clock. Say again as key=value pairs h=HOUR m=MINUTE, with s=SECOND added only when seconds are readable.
h=3 m=28
